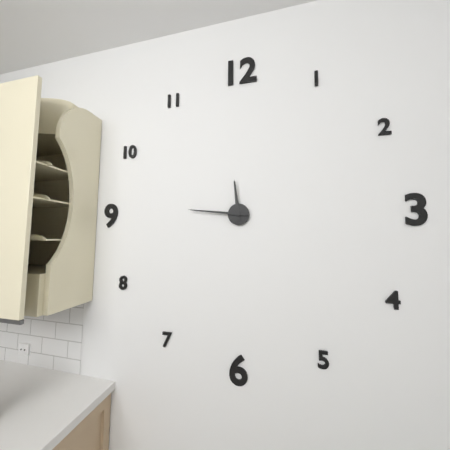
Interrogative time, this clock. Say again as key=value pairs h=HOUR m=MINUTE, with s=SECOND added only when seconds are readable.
h=11 m=46
